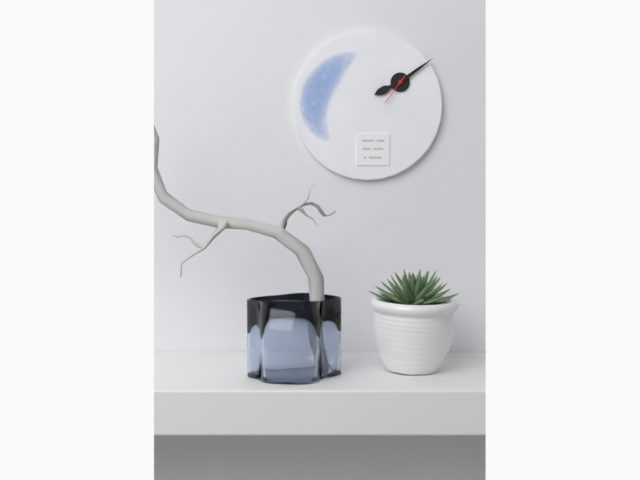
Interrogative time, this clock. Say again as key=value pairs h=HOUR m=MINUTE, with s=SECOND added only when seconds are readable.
h=8 m=9
